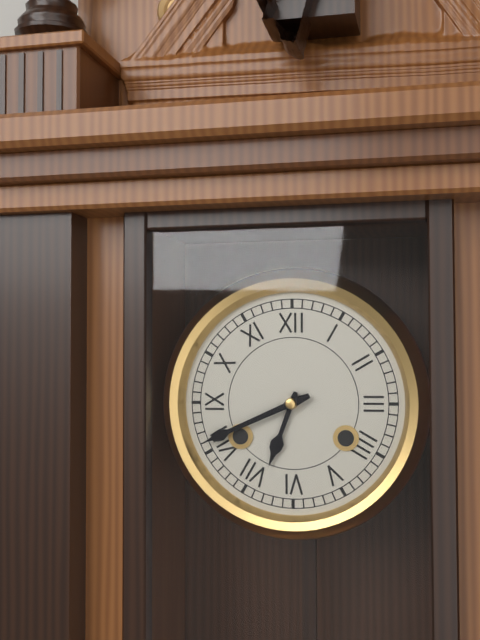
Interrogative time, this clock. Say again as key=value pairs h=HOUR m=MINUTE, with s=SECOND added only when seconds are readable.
h=6 m=41
